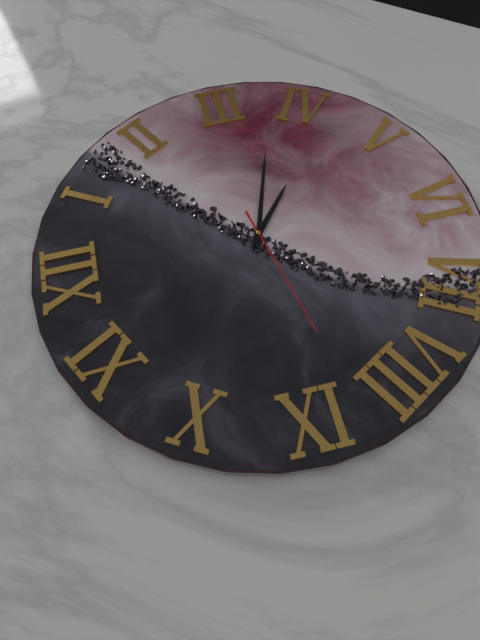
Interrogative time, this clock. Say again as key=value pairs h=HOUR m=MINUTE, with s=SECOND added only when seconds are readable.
h=4 m=18 s=43
